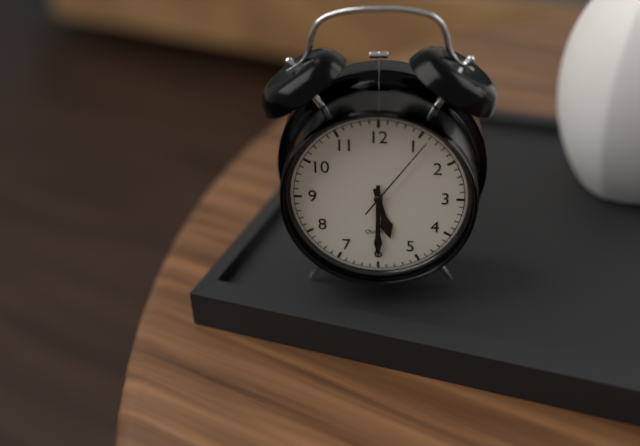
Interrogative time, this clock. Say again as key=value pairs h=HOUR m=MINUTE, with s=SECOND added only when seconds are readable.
h=5 m=30 s=6
